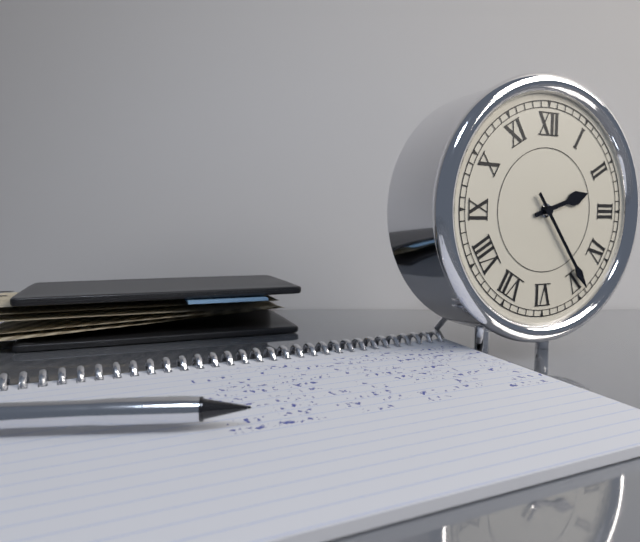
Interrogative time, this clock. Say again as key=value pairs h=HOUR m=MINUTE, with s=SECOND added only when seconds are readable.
h=2 m=24
